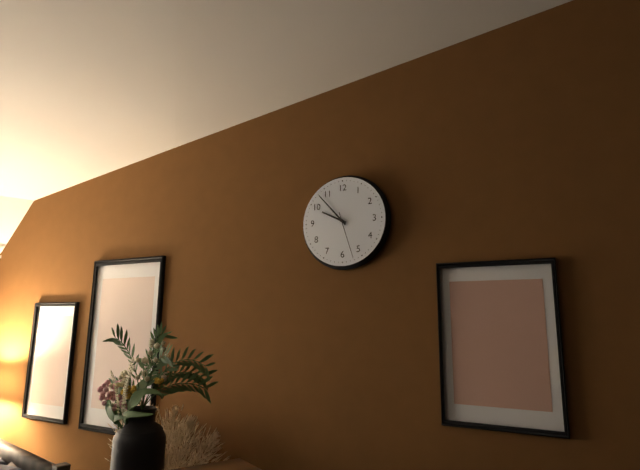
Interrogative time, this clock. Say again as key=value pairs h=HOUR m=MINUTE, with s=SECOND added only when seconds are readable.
h=9 m=53
